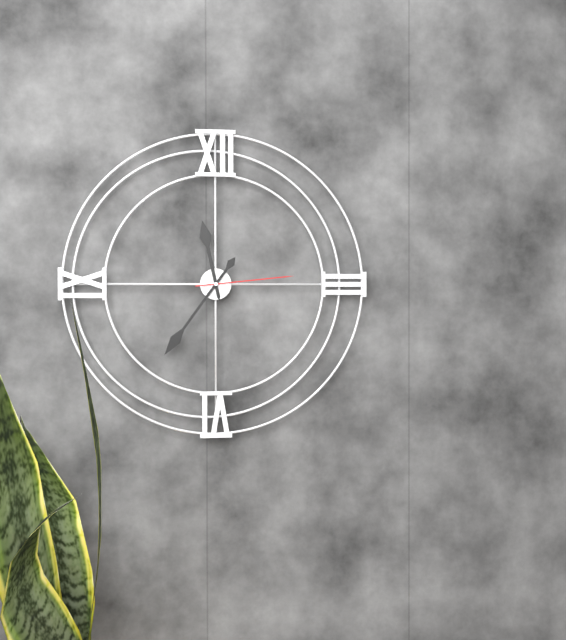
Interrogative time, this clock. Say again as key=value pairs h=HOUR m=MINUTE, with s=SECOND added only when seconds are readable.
h=11 m=36 s=14
